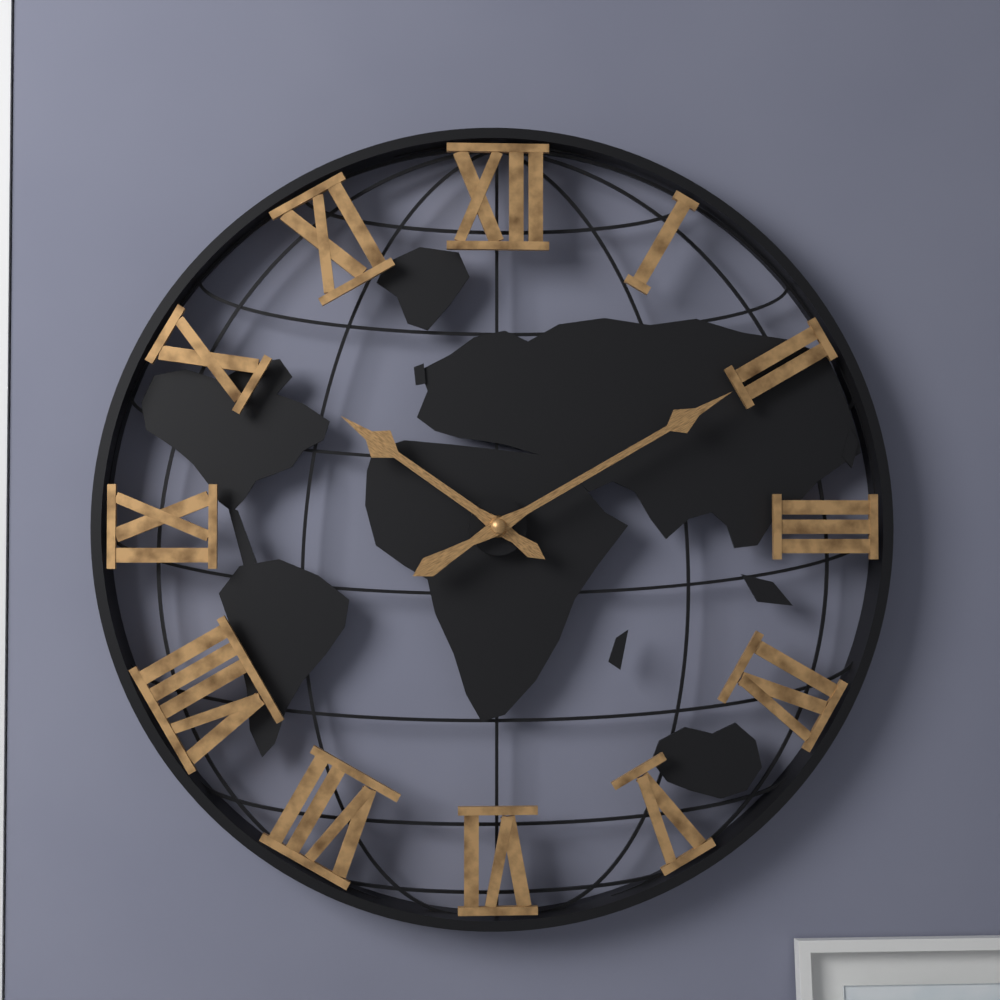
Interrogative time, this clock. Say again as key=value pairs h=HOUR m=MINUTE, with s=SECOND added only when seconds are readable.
h=10 m=10
